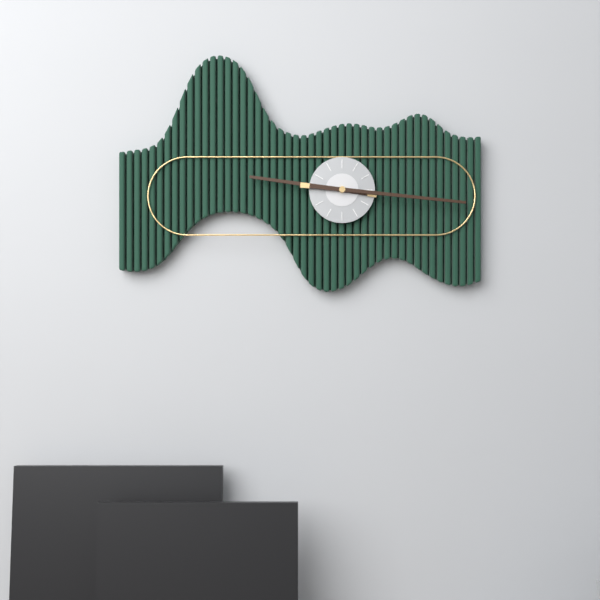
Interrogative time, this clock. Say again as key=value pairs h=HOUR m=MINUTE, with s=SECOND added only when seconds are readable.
h=9 m=16
